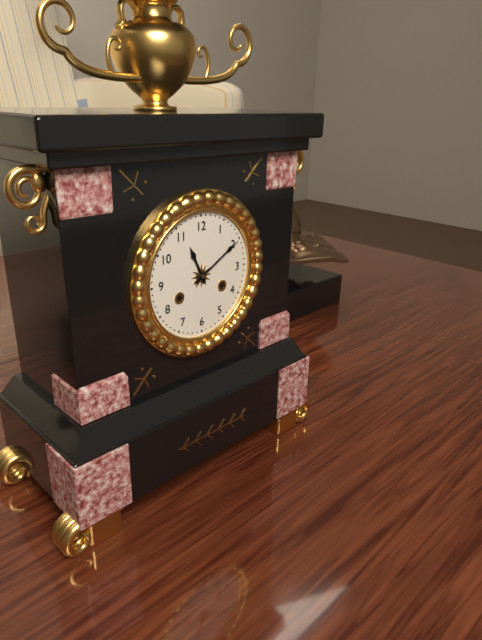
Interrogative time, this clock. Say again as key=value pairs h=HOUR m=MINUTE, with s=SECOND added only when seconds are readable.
h=11 m=10
